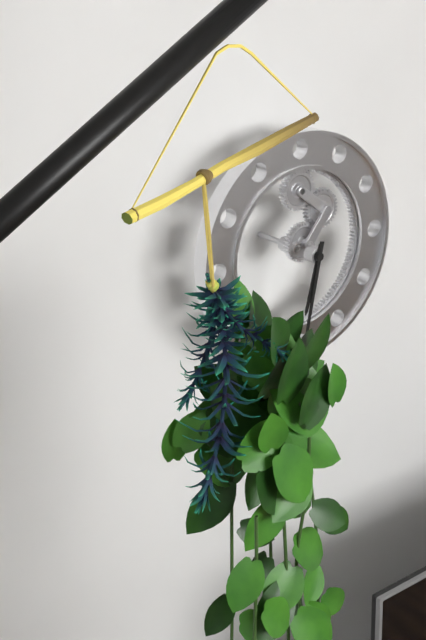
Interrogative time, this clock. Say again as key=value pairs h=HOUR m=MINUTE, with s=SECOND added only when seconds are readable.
h=6 m=32
